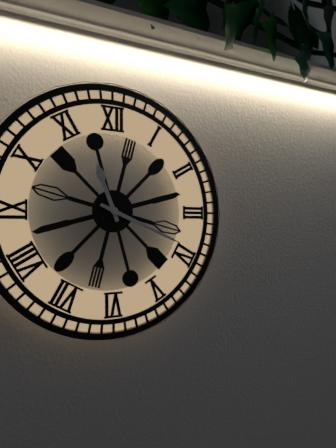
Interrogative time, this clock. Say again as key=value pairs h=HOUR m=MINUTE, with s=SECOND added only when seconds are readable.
h=11 m=19
